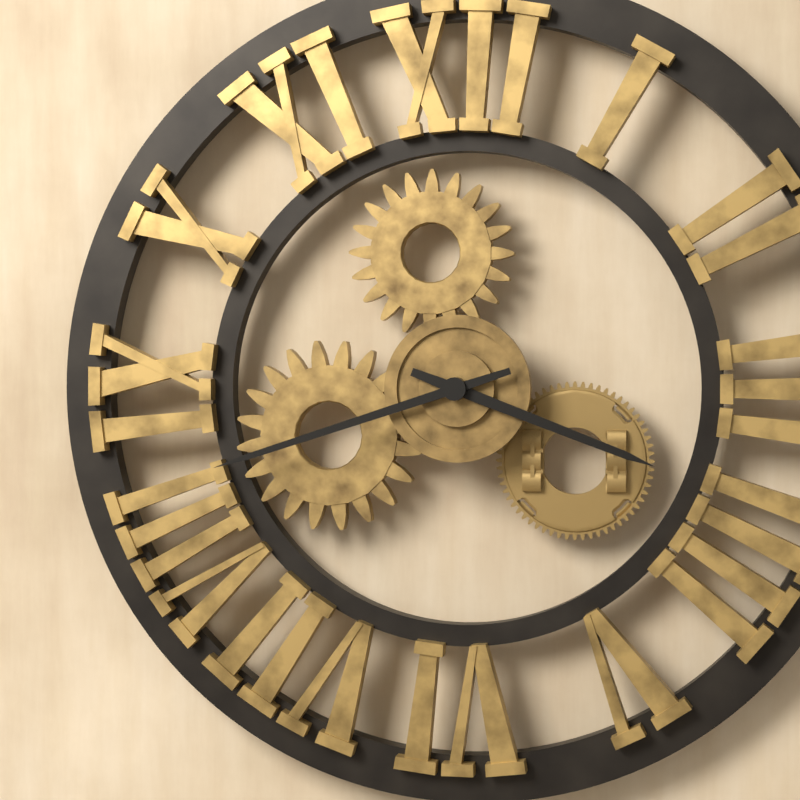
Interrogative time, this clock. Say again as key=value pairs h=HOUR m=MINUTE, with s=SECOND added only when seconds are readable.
h=3 m=42
